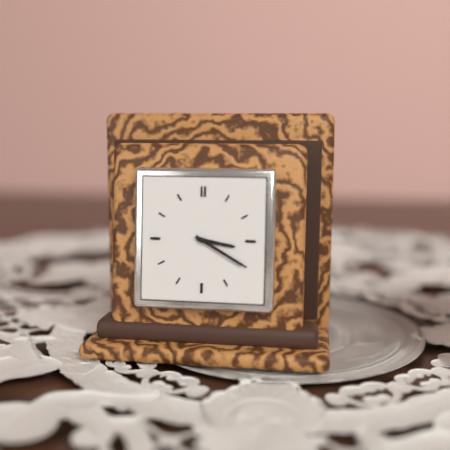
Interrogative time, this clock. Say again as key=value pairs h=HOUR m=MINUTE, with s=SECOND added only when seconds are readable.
h=3 m=20
